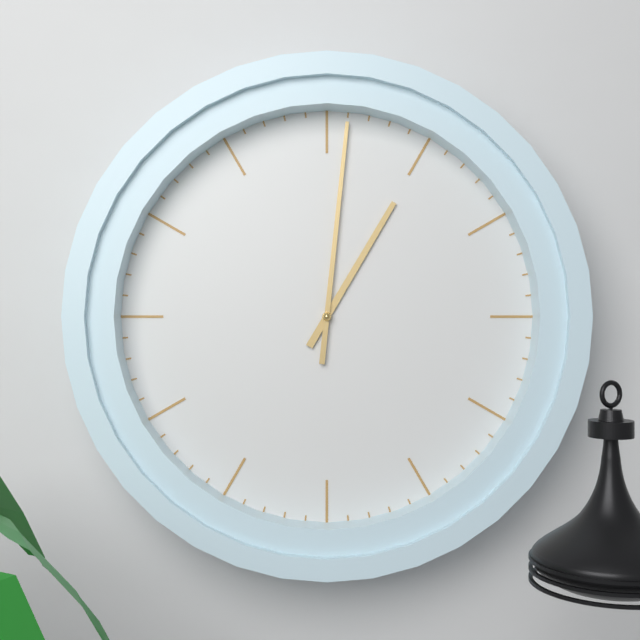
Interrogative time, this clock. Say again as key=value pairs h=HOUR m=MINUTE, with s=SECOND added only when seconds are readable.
h=1 m=1
